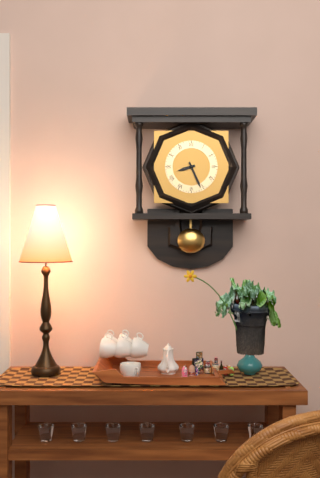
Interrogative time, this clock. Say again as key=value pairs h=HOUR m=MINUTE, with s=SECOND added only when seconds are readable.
h=8 m=26
